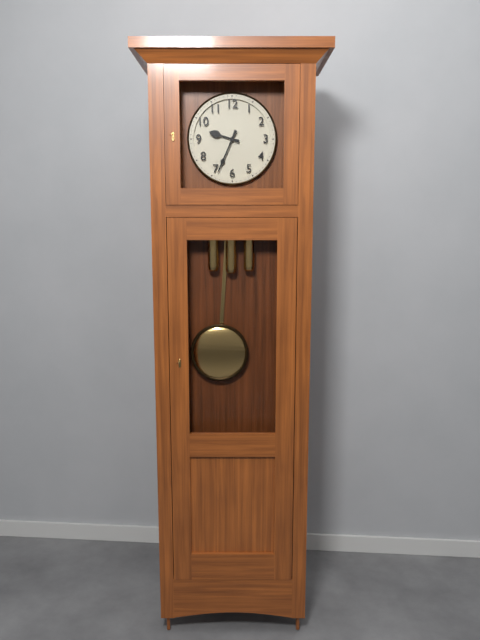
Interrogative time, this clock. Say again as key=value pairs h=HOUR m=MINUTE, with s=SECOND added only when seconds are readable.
h=9 m=34
